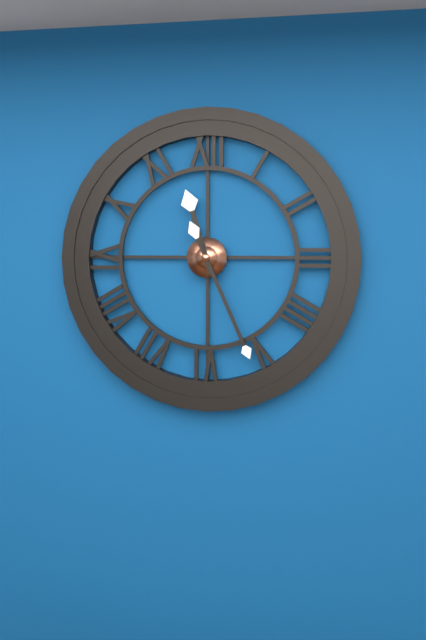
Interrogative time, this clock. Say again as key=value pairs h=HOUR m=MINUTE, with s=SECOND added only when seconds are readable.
h=11 m=26
